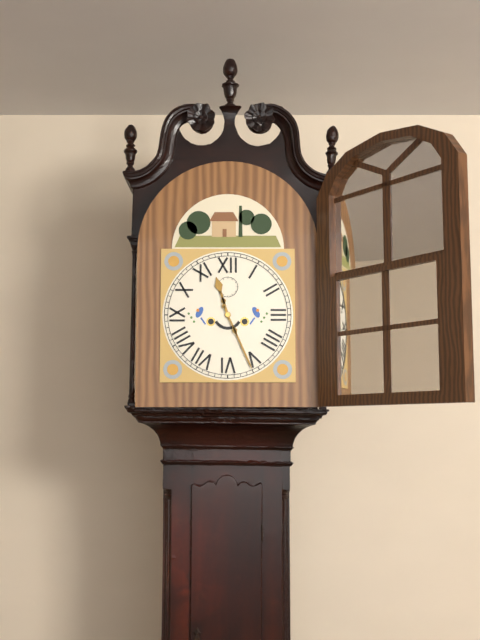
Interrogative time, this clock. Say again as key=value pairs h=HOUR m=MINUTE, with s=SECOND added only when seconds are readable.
h=11 m=26
